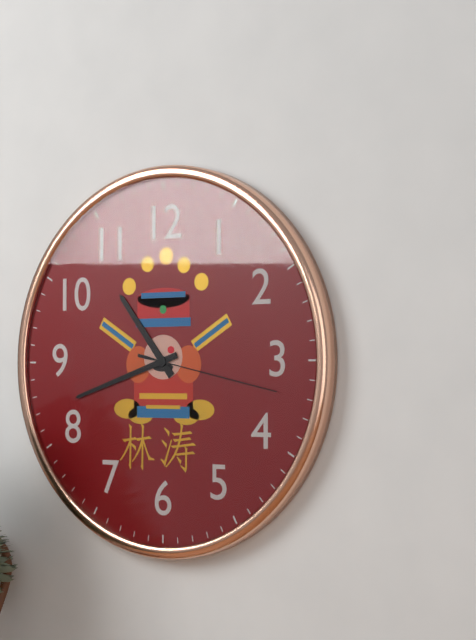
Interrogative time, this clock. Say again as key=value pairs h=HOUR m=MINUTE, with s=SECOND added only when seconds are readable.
h=10 m=42 s=17
